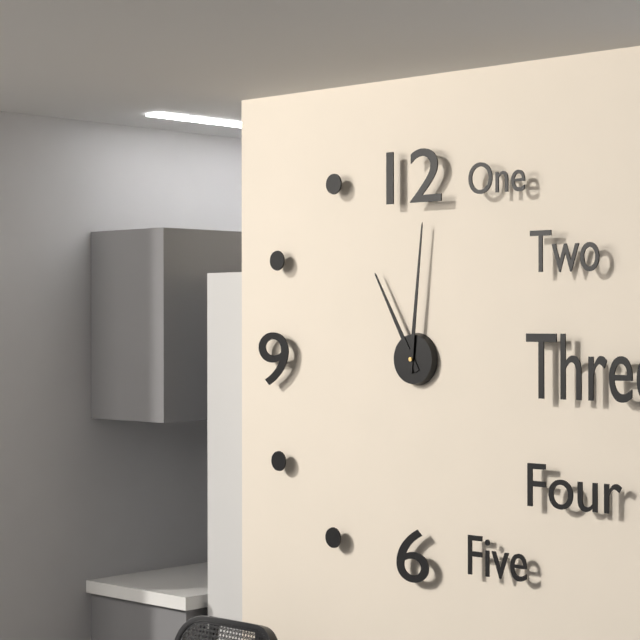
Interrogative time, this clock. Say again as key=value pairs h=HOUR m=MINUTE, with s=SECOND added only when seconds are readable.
h=11 m=1
